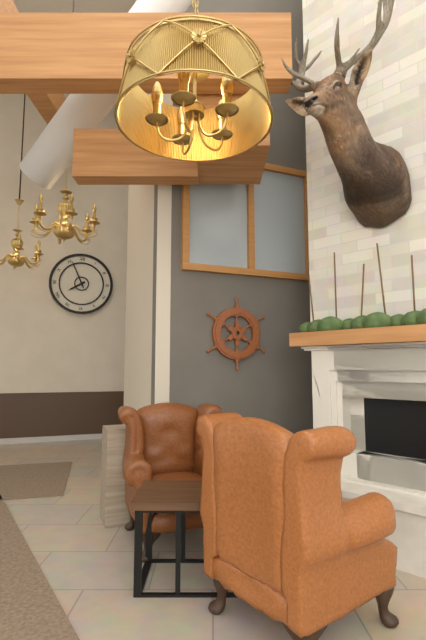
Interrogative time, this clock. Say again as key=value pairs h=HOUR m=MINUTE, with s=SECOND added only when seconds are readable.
h=7 m=56
